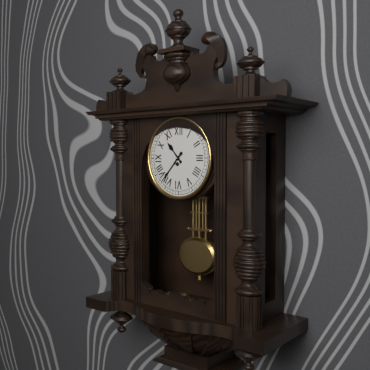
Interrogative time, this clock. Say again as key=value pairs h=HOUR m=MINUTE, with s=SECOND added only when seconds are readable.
h=10 m=37
